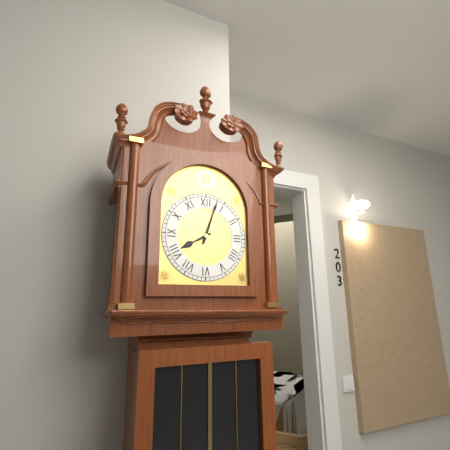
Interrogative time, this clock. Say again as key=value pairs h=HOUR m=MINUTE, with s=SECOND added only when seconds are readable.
h=8 m=3
